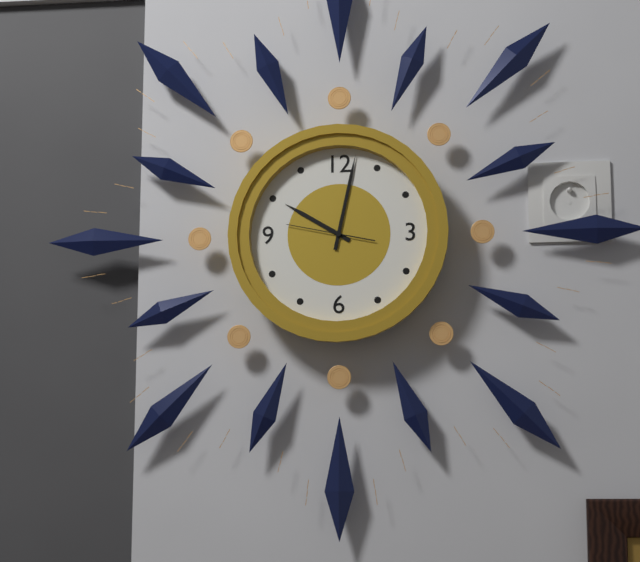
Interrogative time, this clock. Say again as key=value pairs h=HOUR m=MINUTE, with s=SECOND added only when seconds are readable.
h=10 m=2 s=47
